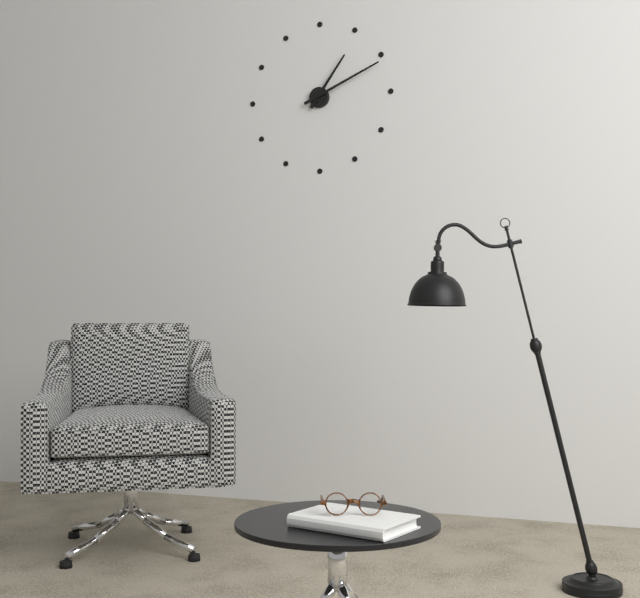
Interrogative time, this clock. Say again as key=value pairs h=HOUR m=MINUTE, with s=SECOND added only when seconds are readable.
h=1 m=11
